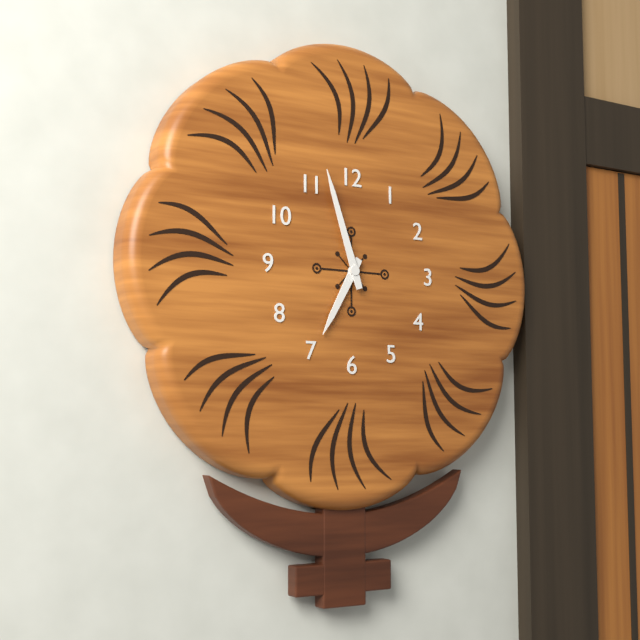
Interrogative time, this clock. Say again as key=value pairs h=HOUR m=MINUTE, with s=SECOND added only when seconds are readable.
h=6 m=57
